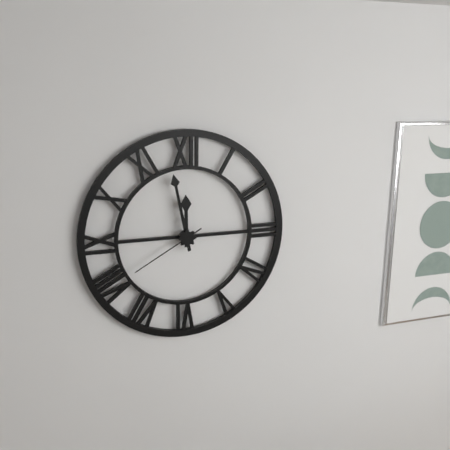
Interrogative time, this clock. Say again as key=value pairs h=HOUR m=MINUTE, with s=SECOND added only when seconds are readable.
h=11 m=58 s=40
